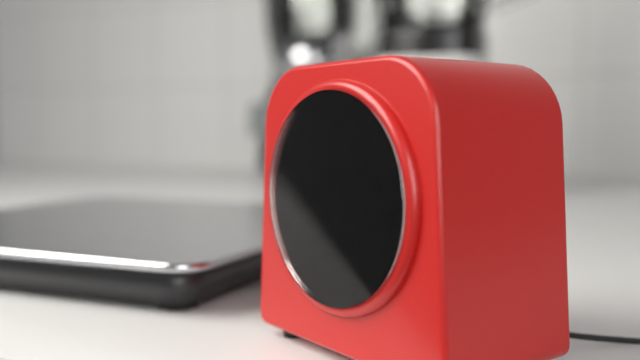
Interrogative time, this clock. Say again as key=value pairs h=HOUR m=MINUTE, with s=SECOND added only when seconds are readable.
h=2 m=21
